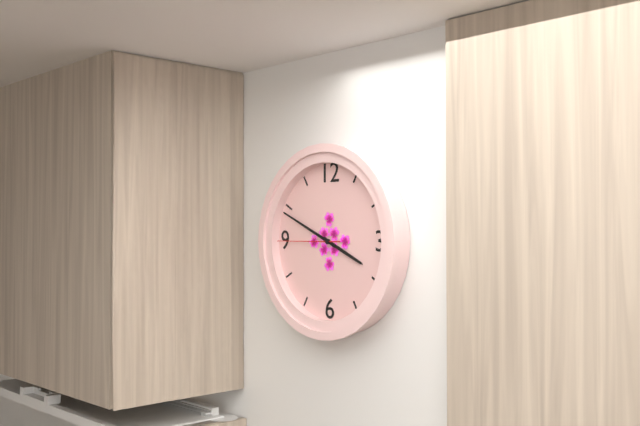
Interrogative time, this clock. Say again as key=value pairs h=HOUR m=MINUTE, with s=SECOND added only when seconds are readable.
h=3 m=49 s=45
